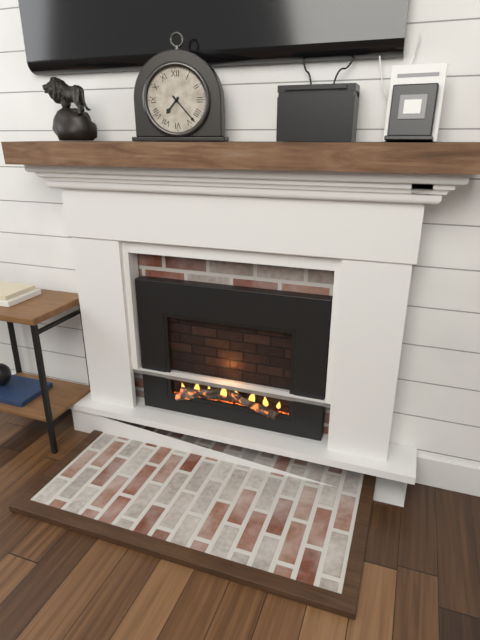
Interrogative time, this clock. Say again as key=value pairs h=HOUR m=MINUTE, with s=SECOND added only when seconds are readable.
h=7 m=23
